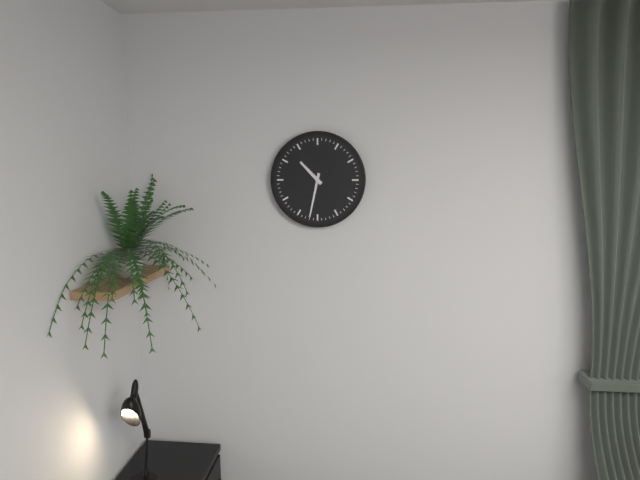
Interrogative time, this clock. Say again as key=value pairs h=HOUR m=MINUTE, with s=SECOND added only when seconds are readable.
h=10 m=32
